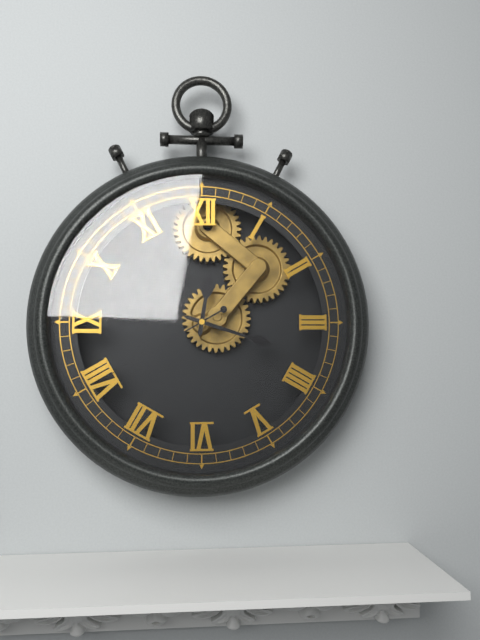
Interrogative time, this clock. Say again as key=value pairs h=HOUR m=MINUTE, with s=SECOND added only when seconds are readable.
h=12 m=18 s=40
